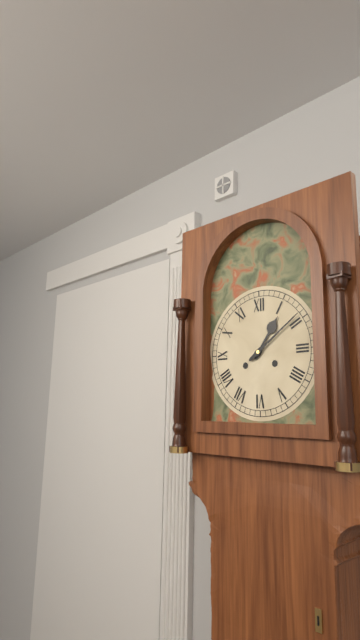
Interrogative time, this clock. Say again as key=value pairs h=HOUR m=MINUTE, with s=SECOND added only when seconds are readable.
h=1 m=9
